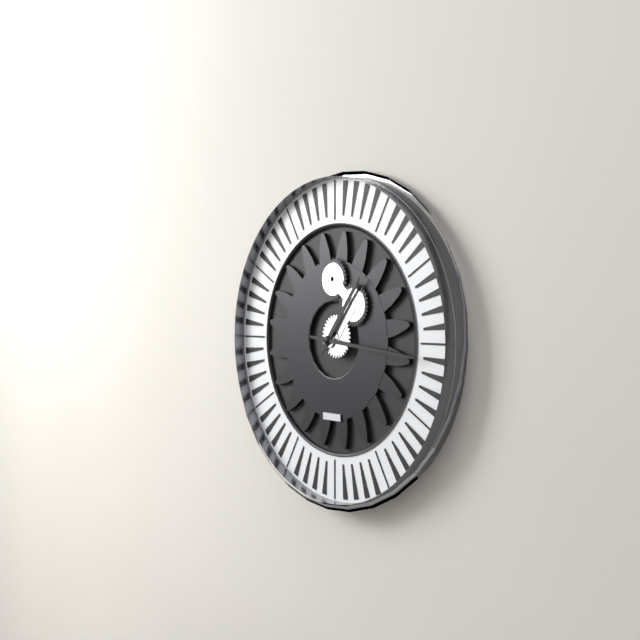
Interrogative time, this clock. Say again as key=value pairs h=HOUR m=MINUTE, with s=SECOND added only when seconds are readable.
h=1 m=16
